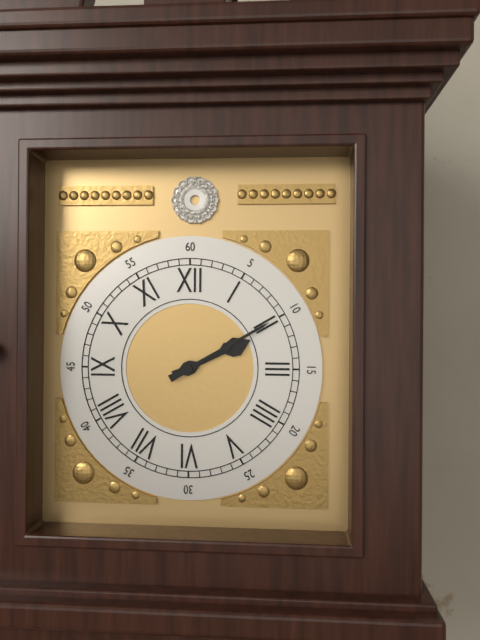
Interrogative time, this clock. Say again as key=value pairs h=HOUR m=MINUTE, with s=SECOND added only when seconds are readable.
h=2 m=10
